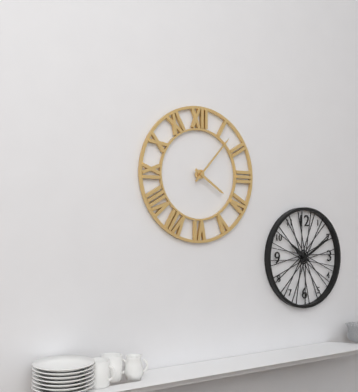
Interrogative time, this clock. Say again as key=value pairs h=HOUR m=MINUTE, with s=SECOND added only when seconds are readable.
h=4 m=7
